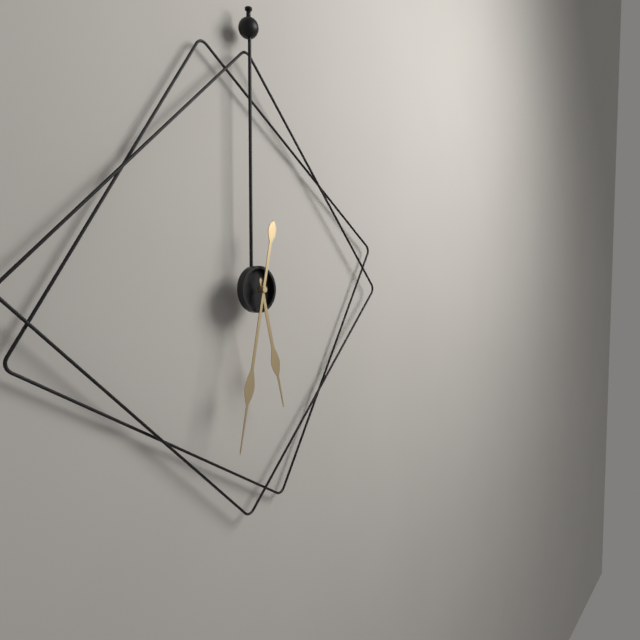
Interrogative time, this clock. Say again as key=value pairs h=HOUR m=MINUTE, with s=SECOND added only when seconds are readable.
h=5 m=32
